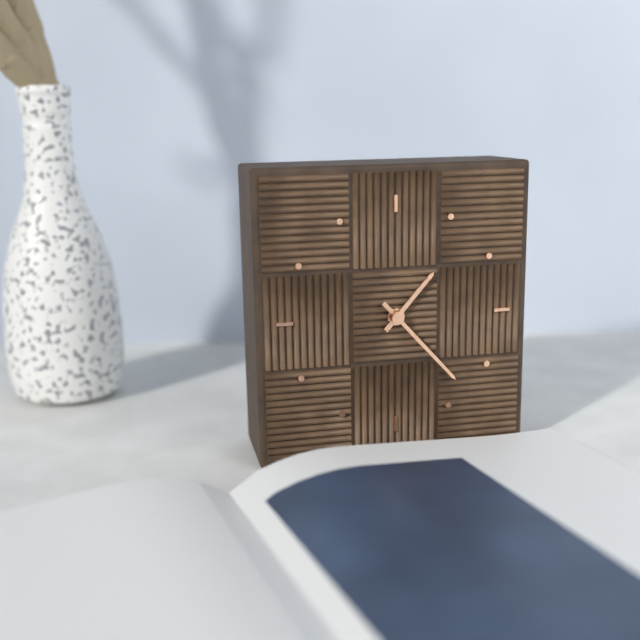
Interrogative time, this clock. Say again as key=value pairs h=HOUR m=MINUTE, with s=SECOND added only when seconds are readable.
h=1 m=23
